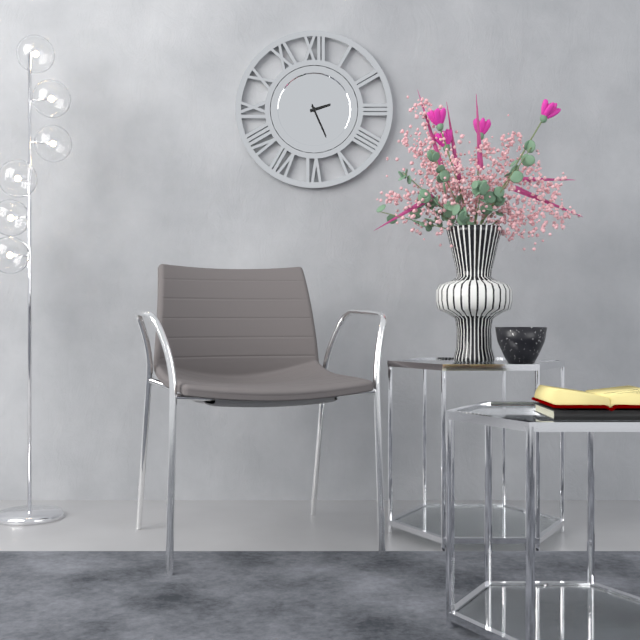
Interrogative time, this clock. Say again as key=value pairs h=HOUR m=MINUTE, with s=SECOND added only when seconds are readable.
h=2 m=26
